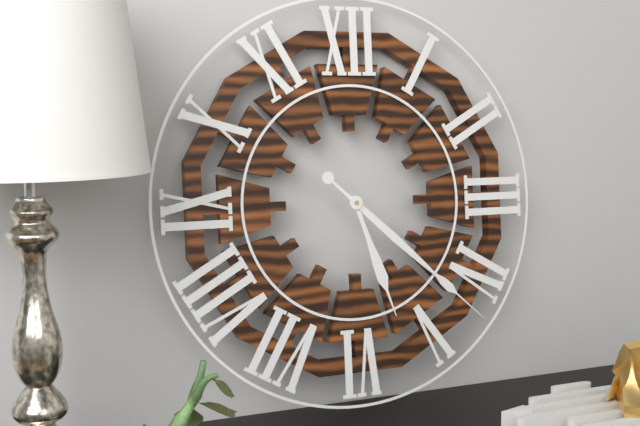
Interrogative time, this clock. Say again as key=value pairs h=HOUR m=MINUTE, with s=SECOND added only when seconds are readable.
h=5 m=22
